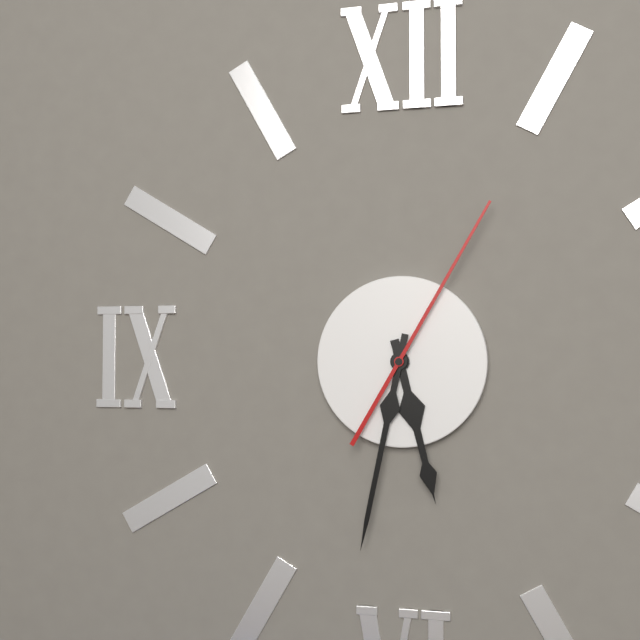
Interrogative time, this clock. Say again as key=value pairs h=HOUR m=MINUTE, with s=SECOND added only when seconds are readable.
h=5 m=32 s=5
